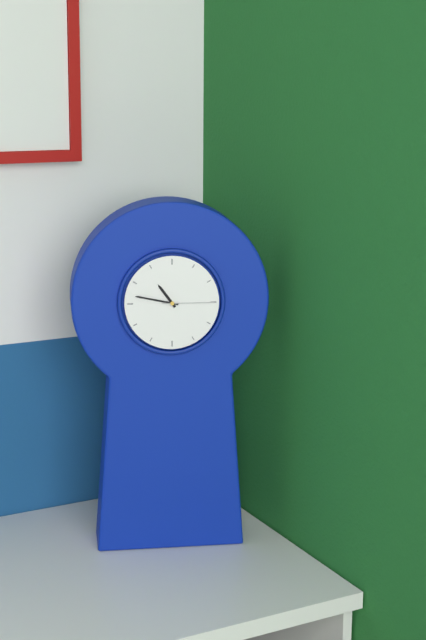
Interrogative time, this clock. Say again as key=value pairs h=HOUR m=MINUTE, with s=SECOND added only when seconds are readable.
h=10 m=47 s=15
